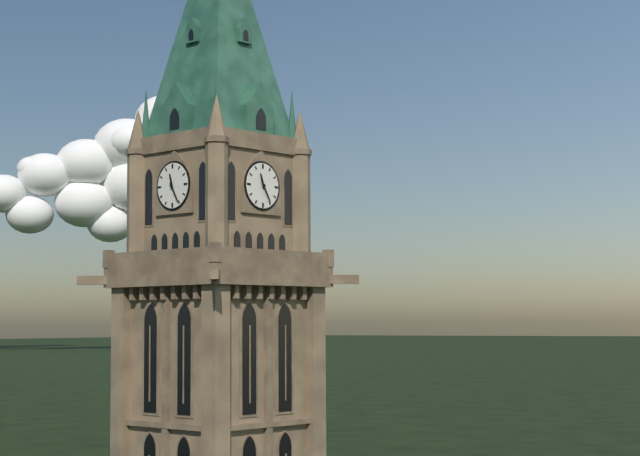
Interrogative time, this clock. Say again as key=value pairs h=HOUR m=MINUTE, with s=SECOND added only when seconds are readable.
h=11 m=25
